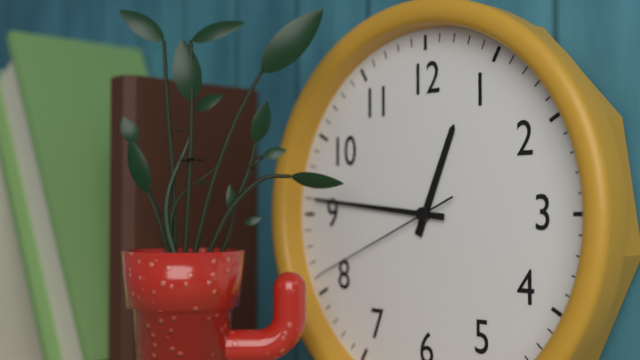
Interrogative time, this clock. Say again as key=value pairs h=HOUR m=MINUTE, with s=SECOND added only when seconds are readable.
h=12 m=46 s=41
